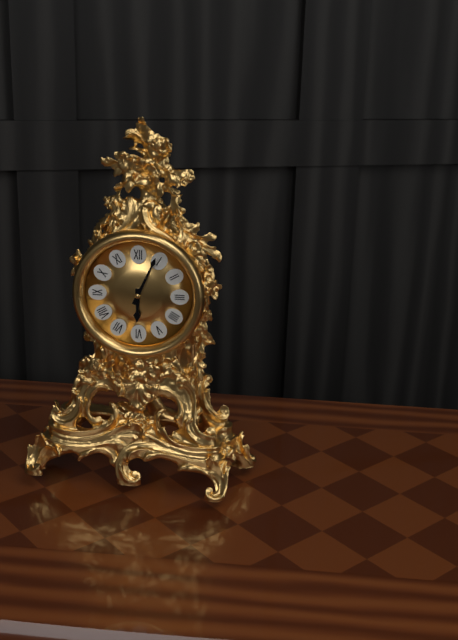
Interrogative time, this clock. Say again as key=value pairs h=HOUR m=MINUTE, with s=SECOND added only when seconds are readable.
h=6 m=4
